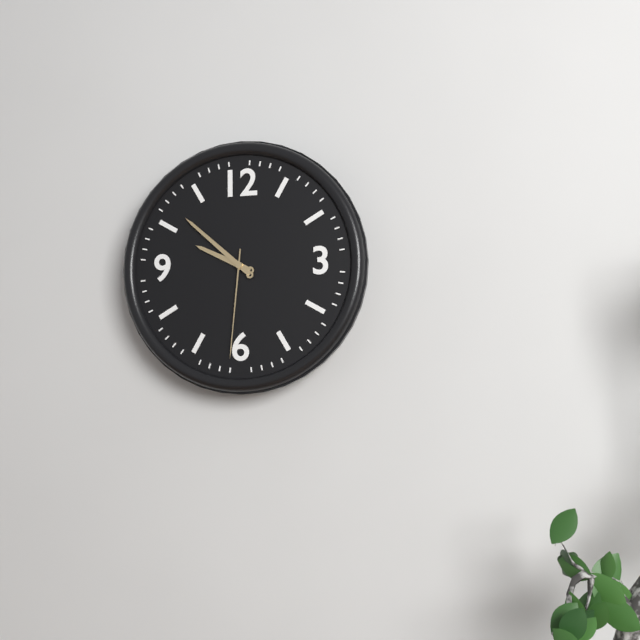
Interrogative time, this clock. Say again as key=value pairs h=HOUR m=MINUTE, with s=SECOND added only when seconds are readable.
h=9 m=52 s=31
